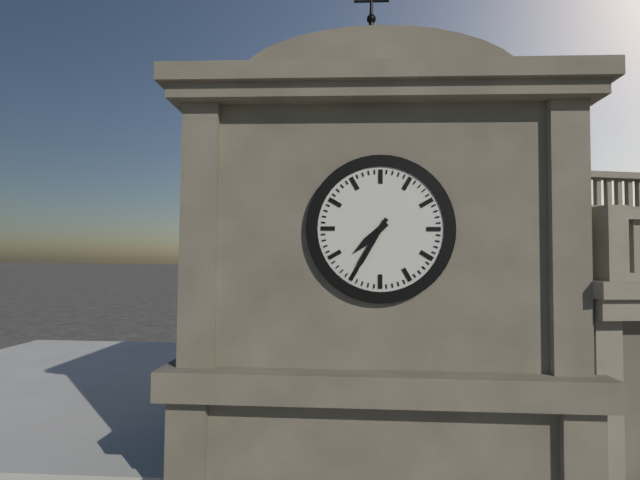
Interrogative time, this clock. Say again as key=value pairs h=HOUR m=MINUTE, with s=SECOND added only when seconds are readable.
h=7 m=35
